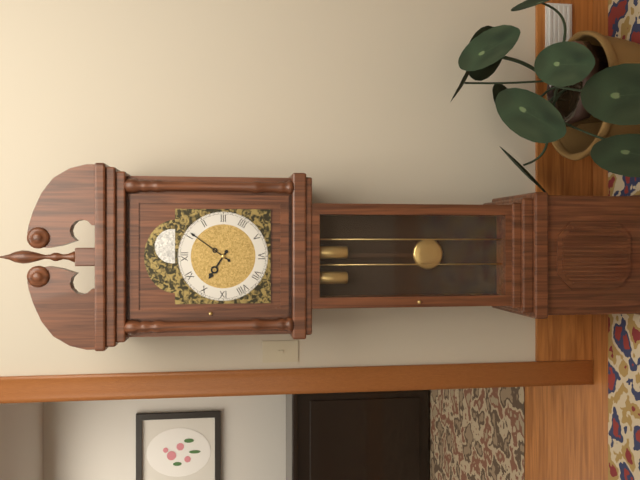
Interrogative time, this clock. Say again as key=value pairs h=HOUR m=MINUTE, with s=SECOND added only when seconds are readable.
h=10 m=6
